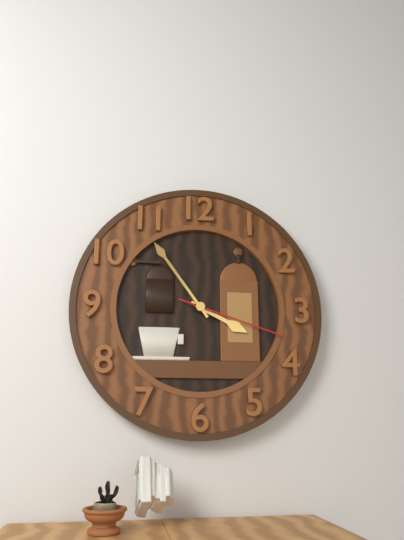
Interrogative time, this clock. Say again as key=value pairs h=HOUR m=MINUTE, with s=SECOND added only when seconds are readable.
h=3 m=54 s=18
